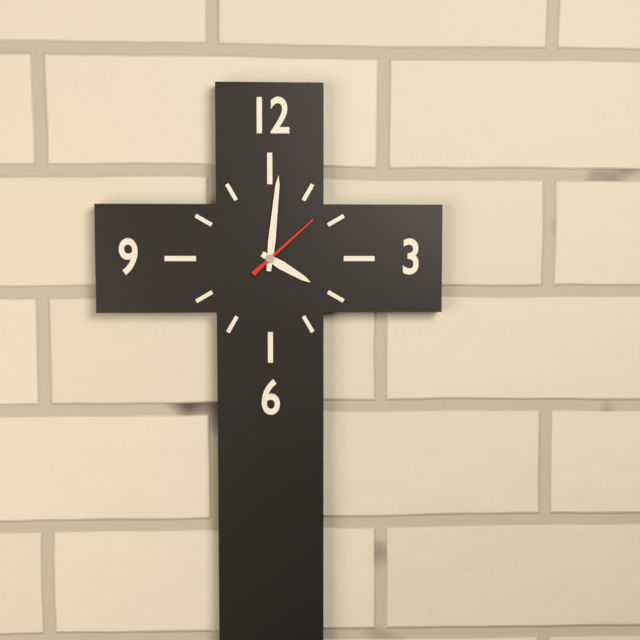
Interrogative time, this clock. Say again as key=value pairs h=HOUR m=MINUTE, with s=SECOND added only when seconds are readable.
h=4 m=1 s=8
